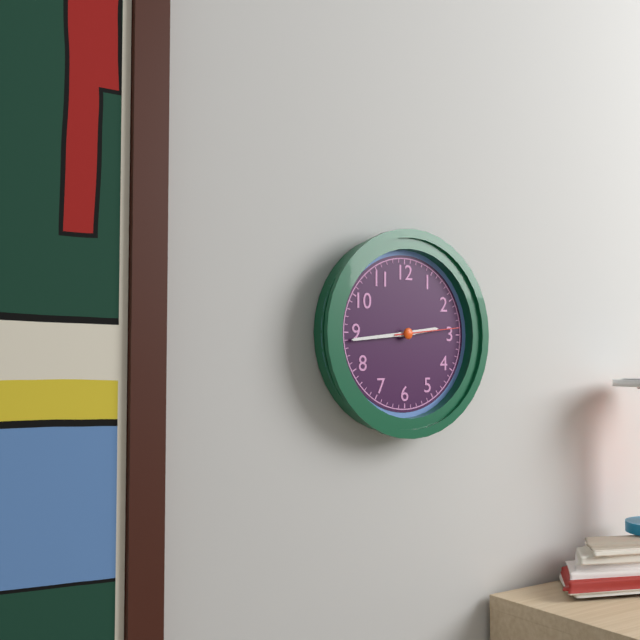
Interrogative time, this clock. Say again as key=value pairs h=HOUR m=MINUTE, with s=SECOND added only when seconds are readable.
h=2 m=44 s=14
